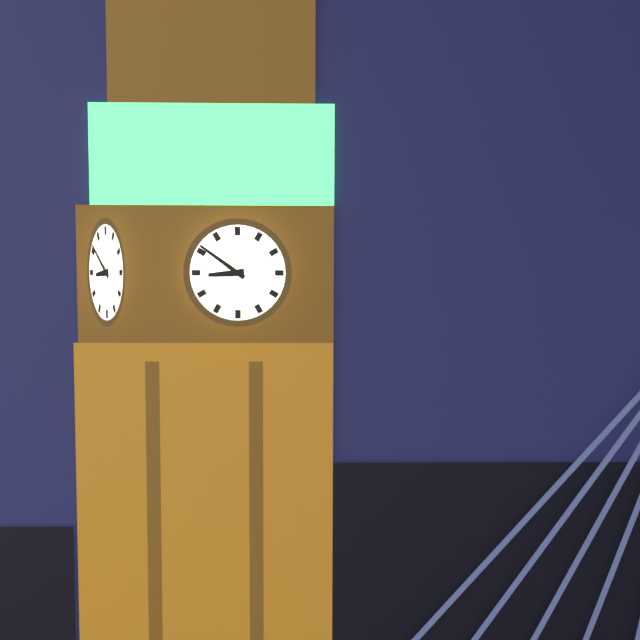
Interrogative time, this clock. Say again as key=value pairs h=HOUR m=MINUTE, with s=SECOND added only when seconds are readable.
h=8 m=51
